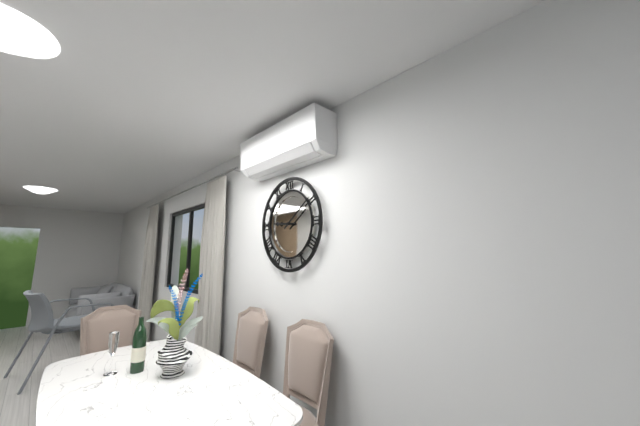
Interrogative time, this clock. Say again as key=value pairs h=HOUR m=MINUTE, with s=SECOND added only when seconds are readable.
h=9 m=9
